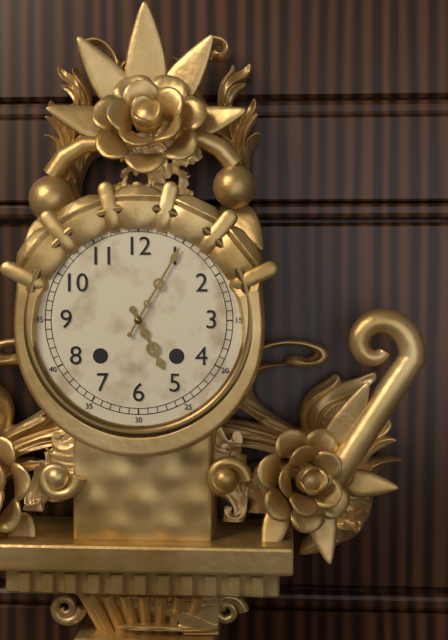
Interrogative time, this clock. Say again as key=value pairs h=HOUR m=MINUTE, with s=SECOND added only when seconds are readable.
h=5 m=5
